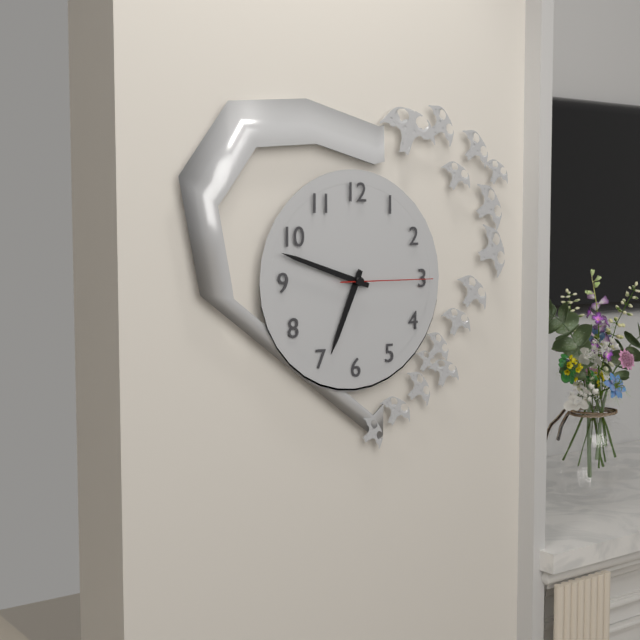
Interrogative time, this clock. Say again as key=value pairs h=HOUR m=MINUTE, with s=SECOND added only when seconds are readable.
h=6 m=48 s=15
